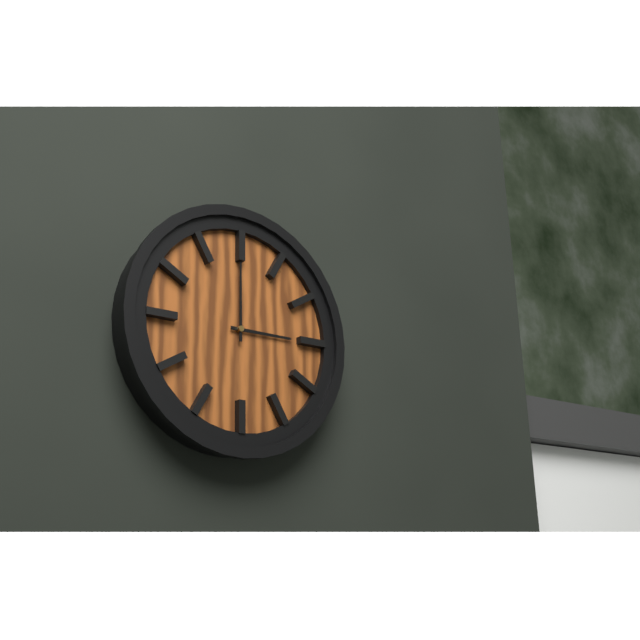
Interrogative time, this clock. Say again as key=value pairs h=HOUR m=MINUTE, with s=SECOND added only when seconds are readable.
h=3 m=0
